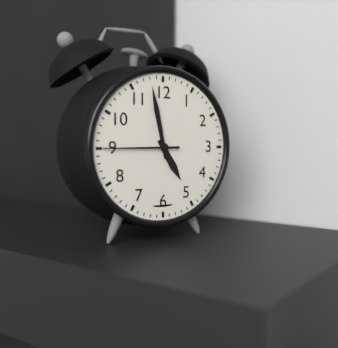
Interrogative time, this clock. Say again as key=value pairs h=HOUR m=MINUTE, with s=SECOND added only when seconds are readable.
h=4 m=58 s=45
